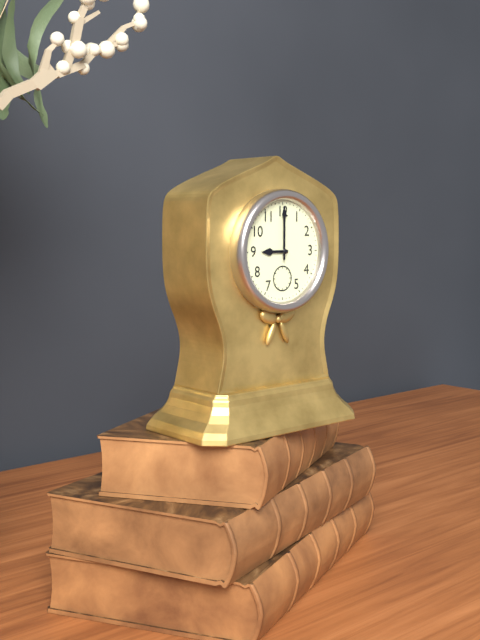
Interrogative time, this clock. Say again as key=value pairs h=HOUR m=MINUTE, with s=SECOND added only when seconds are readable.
h=9 m=0
